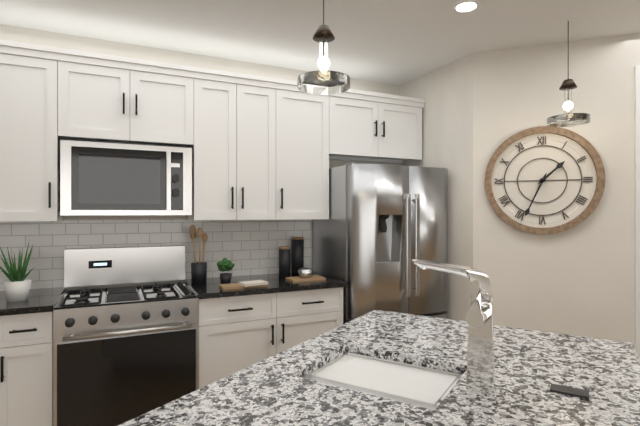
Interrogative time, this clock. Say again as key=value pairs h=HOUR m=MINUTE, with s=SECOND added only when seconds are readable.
h=1 m=34
